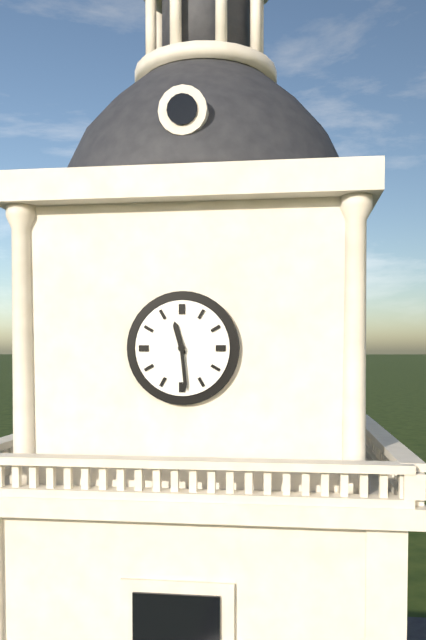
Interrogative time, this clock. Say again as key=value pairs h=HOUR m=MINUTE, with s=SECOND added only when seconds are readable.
h=11 m=29
